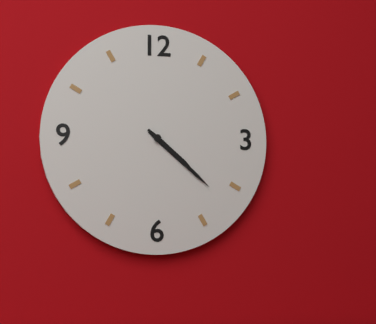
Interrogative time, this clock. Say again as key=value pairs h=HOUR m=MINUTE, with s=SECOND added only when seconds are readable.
h=4 m=22
